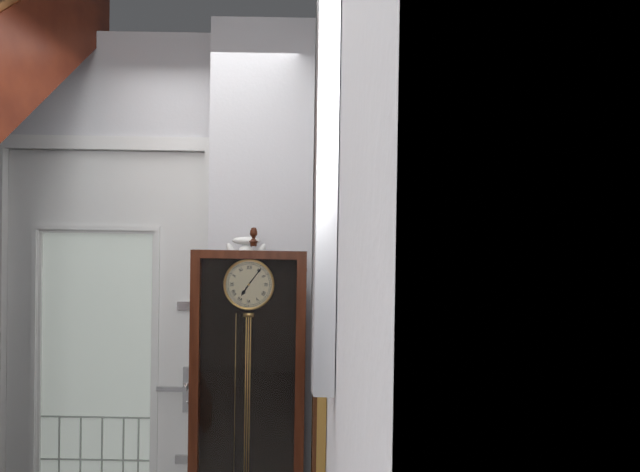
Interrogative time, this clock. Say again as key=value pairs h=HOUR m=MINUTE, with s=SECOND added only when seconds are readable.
h=7 m=6
